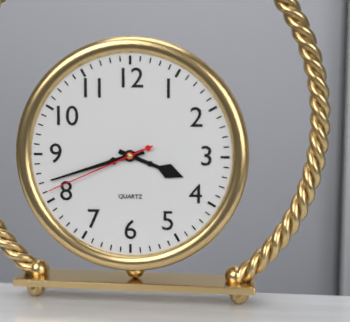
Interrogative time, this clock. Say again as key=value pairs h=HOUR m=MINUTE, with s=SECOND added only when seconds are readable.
h=3 m=42 s=41
